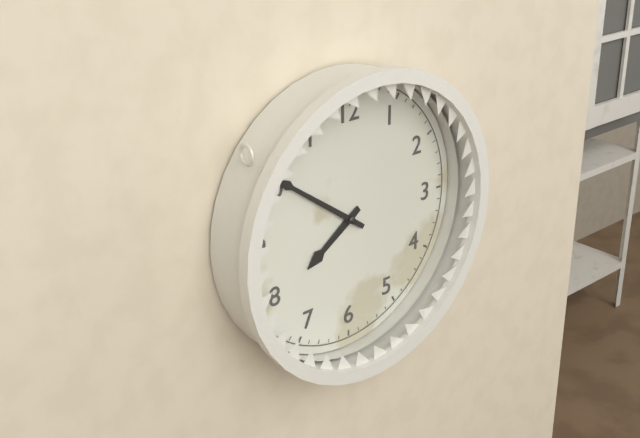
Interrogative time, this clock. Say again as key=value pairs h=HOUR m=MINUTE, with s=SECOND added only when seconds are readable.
h=7 m=51
